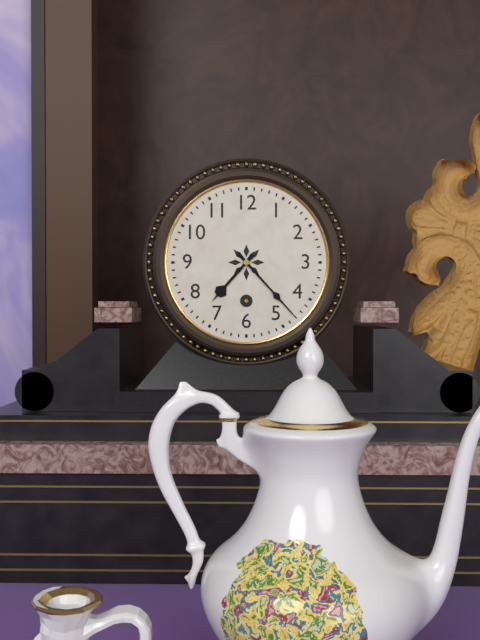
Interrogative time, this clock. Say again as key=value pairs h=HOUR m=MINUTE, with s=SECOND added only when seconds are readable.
h=7 m=23
